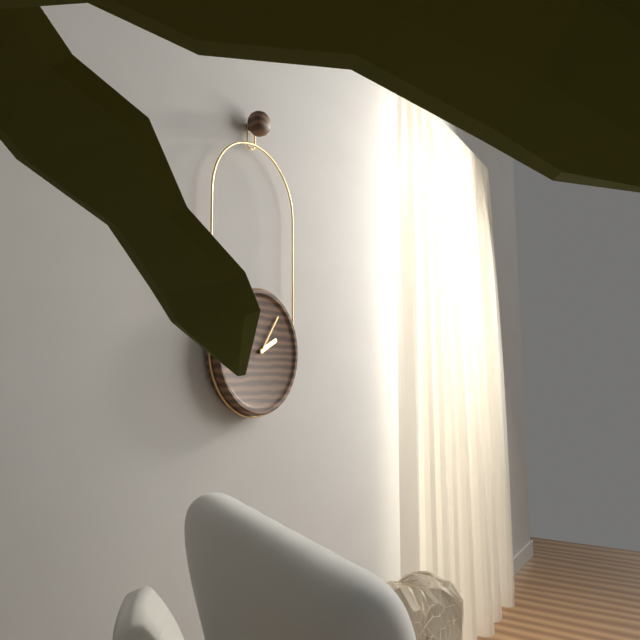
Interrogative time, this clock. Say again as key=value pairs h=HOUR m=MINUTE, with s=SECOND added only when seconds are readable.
h=2 m=6
